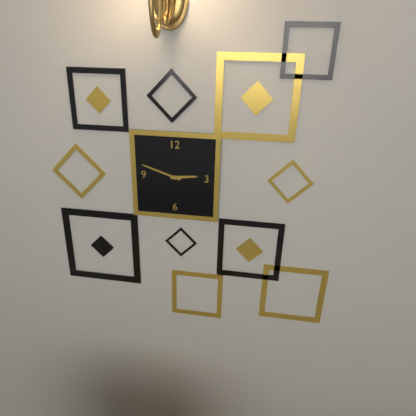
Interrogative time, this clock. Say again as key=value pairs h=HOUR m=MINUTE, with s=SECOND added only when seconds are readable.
h=2 m=48
